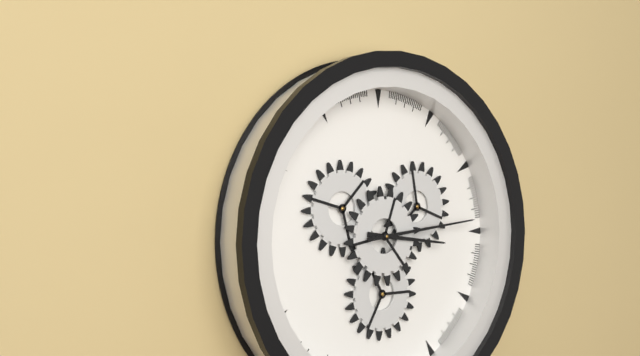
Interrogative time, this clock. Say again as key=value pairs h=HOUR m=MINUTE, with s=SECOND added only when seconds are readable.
h=3 m=14
